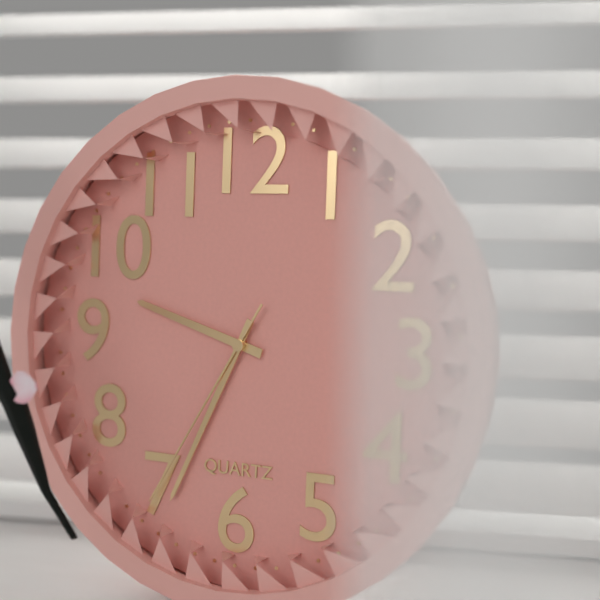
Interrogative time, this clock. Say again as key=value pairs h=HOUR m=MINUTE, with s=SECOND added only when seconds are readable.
h=9 m=34 s=35
